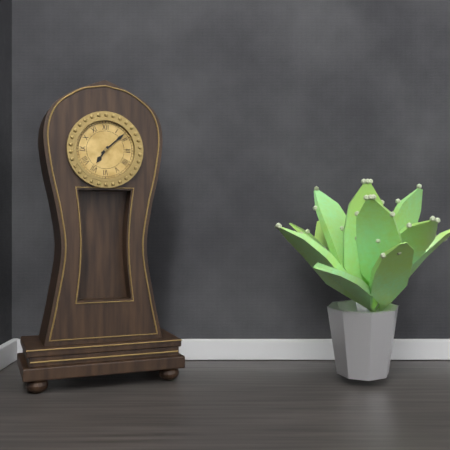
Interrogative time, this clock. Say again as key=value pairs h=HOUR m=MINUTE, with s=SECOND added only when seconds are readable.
h=7 m=8
